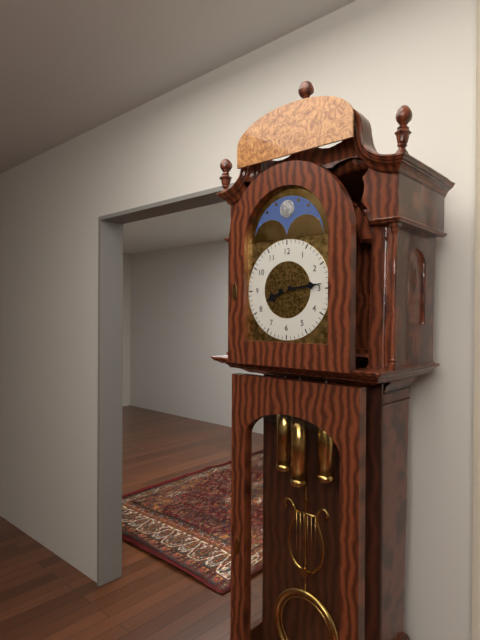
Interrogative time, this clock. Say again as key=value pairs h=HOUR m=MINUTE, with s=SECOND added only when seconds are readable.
h=8 m=14
